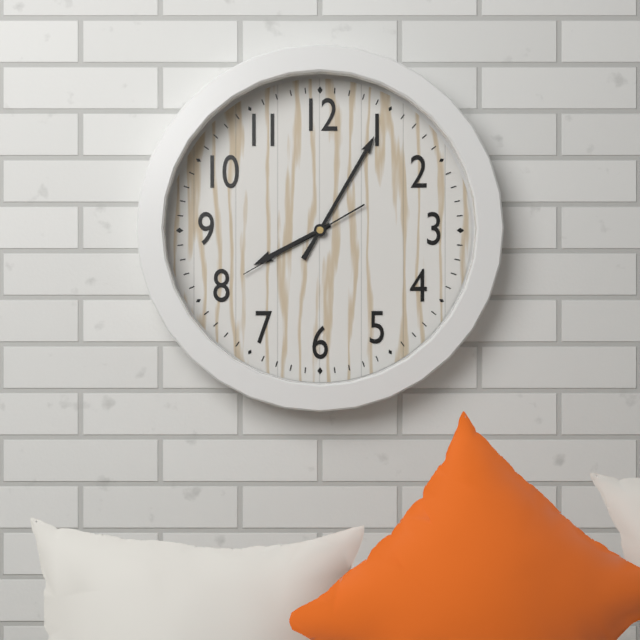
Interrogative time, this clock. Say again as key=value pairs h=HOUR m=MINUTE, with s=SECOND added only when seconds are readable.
h=8 m=5 s=40
